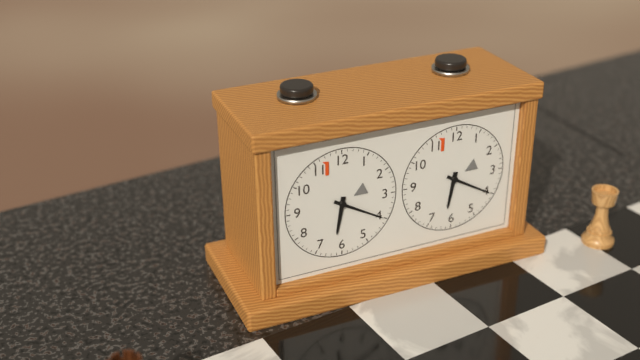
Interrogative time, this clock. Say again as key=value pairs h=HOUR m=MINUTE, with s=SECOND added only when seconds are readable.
h=6 m=20
